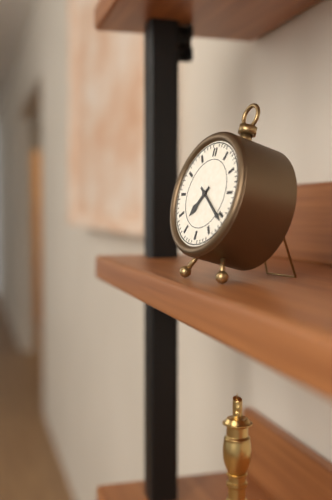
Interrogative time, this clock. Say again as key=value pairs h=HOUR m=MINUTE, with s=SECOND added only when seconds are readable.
h=7 m=21
